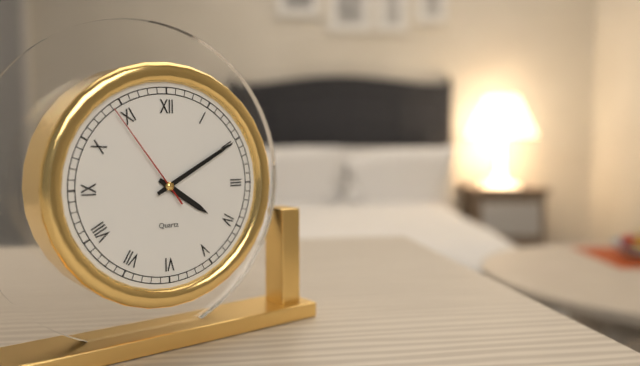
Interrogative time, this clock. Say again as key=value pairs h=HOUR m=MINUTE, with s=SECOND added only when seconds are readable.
h=4 m=10 s=54
